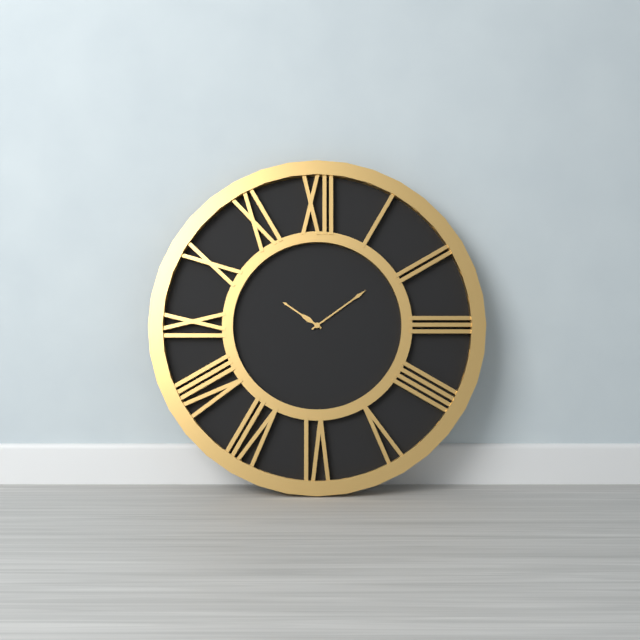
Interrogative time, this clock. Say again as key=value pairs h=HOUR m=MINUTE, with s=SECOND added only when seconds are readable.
h=10 m=9
